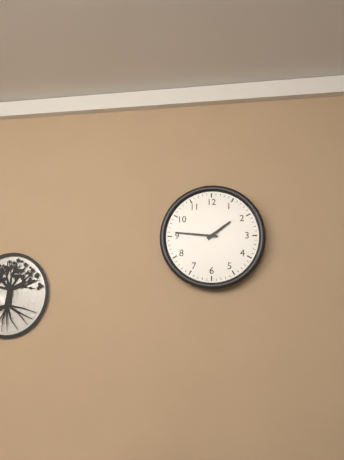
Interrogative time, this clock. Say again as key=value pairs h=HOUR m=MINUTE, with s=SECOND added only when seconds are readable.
h=1 m=46
